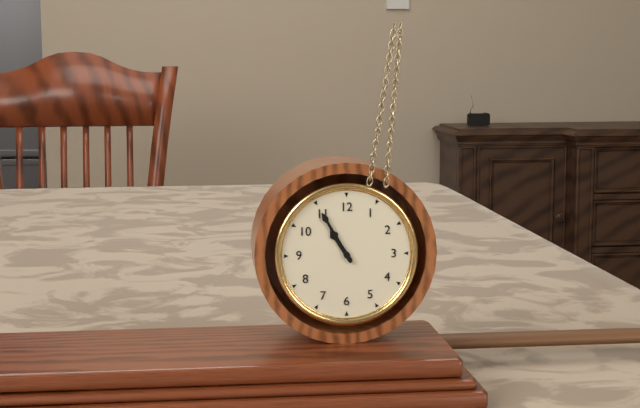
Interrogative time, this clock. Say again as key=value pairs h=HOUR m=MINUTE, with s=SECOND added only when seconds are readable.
h=10 m=55
